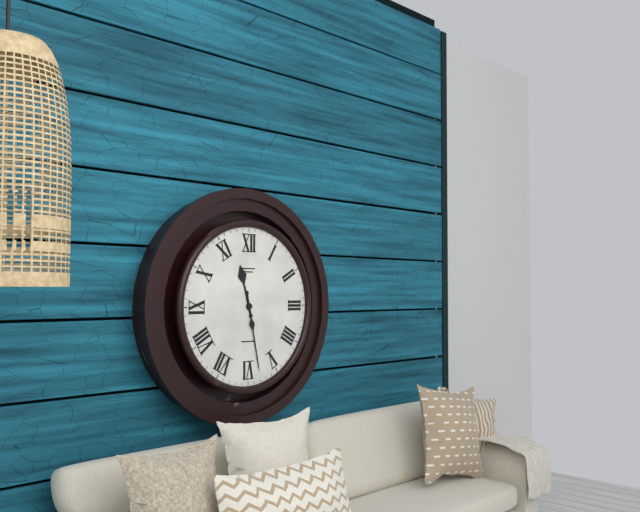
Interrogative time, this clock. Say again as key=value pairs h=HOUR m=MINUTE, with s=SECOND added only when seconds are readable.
h=11 m=28
